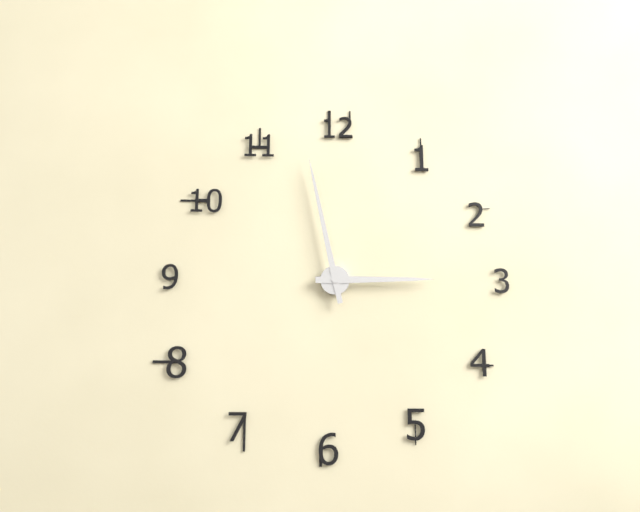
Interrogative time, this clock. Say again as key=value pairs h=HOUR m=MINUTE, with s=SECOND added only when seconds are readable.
h=2 m=58
